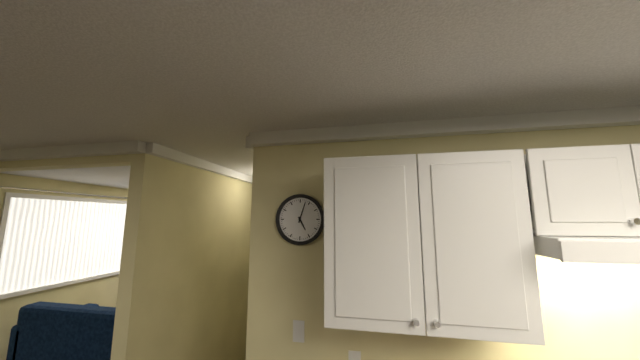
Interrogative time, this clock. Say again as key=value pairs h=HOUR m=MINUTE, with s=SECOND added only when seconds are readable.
h=5 m=3
